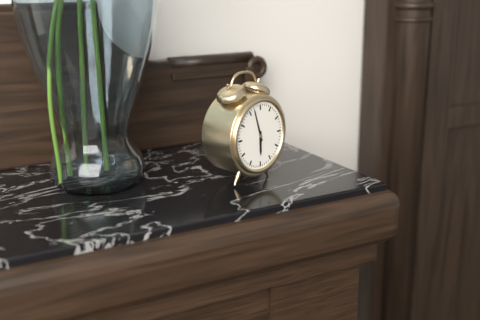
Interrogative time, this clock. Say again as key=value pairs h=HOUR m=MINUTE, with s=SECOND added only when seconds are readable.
h=5 m=57
